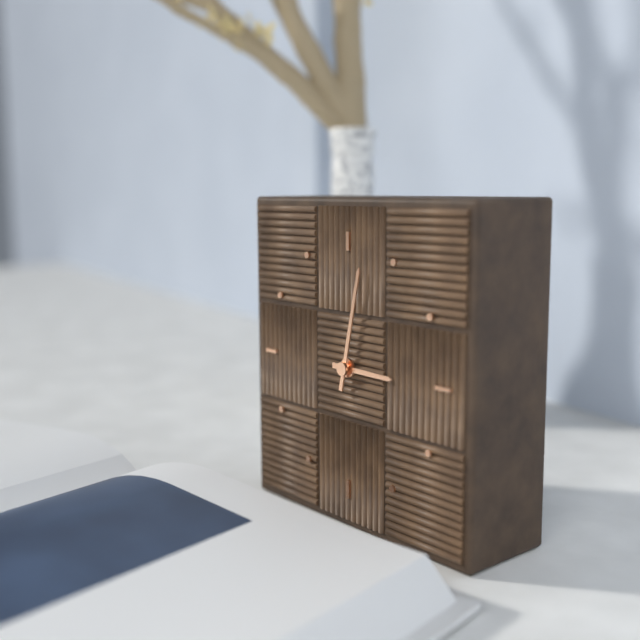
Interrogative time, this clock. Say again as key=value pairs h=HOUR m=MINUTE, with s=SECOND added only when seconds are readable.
h=3 m=2
